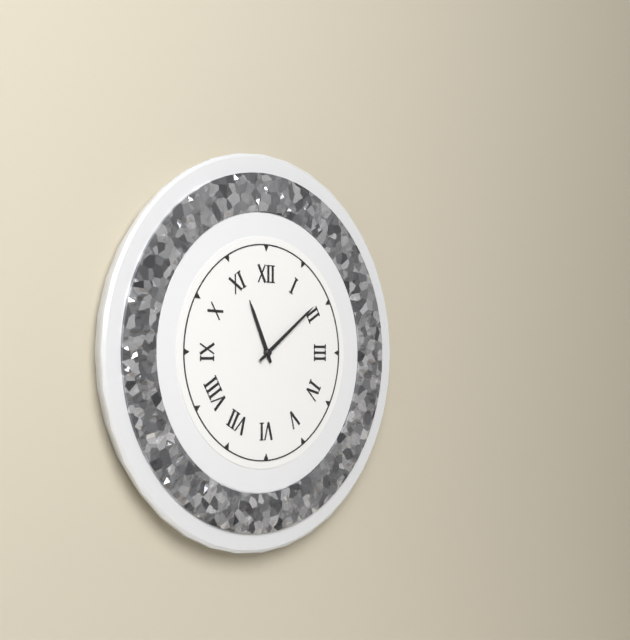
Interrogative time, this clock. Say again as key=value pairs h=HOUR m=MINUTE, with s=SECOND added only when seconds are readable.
h=11 m=9
